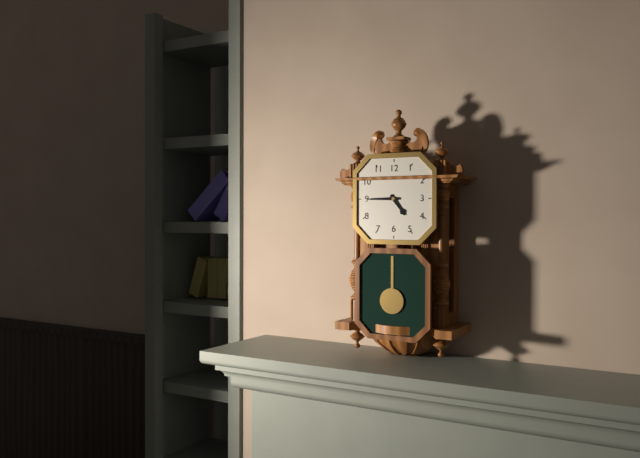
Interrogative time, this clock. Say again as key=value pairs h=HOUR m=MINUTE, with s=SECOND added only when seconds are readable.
h=4 m=45
